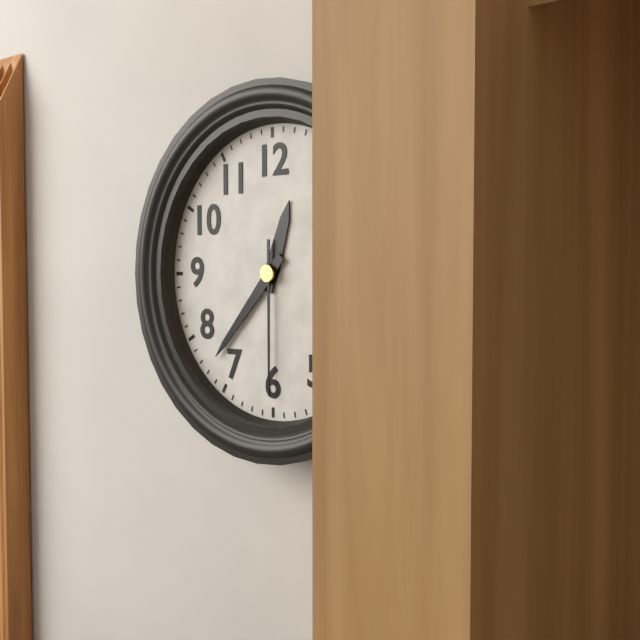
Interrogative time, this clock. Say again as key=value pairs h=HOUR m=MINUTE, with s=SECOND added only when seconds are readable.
h=12 m=37 s=30
